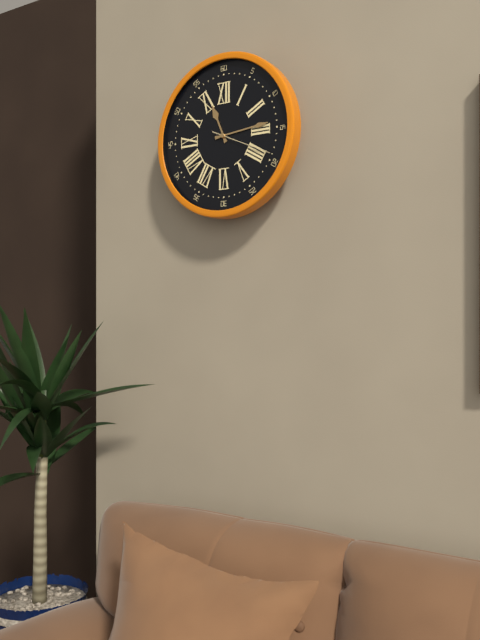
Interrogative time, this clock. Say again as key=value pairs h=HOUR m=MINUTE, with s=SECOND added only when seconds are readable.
h=11 m=14
